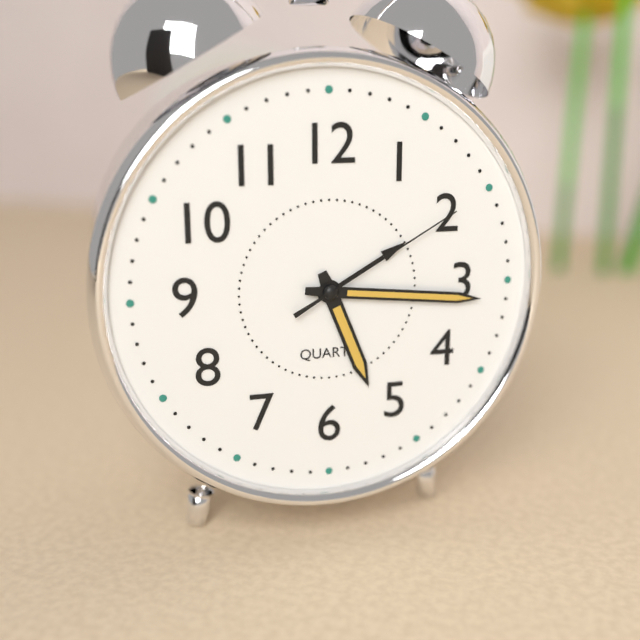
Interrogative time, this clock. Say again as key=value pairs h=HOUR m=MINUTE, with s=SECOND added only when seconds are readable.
h=5 m=16 s=10
